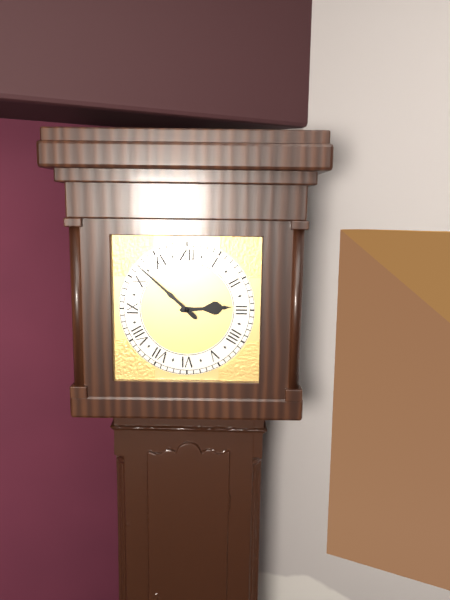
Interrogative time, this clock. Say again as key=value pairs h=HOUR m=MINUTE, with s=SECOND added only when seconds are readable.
h=2 m=52
